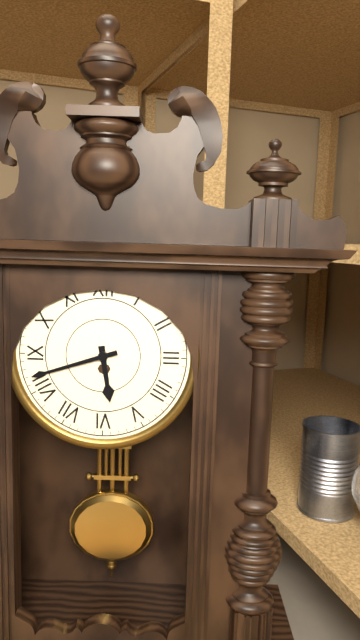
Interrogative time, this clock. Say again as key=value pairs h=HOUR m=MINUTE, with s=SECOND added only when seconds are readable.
h=5 m=42
